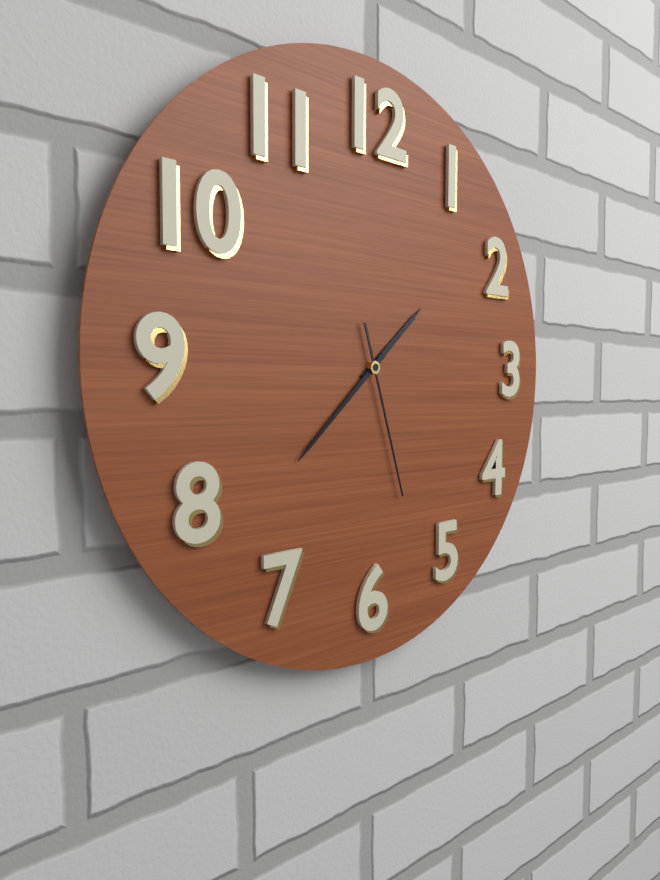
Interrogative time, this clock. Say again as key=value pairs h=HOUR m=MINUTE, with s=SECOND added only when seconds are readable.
h=1 m=38 s=27
